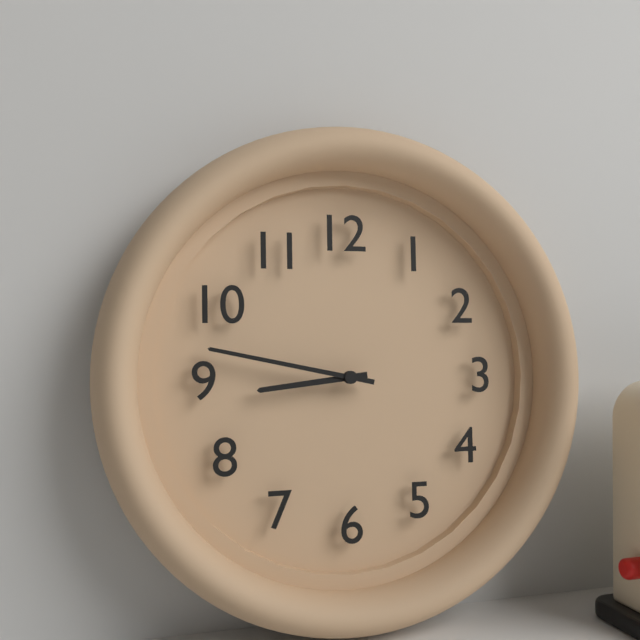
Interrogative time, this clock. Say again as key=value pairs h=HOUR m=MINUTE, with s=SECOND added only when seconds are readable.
h=8 m=47
